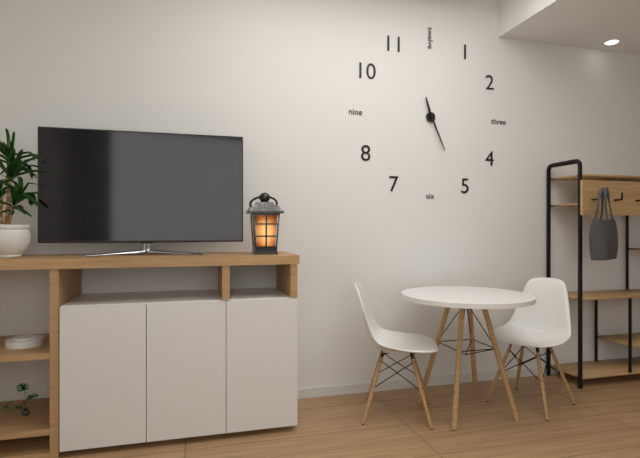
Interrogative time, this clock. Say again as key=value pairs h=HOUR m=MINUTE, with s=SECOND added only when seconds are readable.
h=11 m=26
